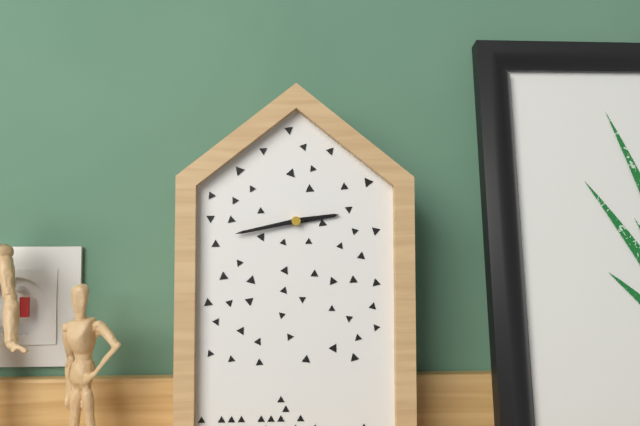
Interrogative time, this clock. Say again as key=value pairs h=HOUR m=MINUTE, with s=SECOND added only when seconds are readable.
h=2 m=43
